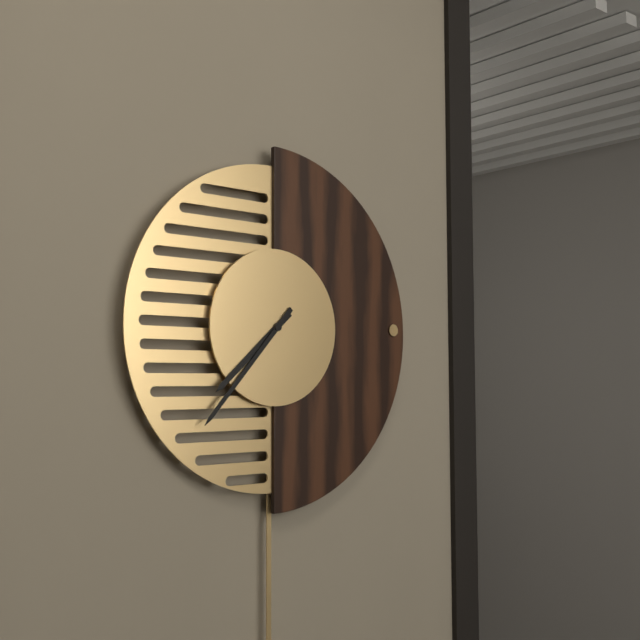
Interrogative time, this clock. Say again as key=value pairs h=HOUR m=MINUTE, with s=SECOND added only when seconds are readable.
h=7 m=37
